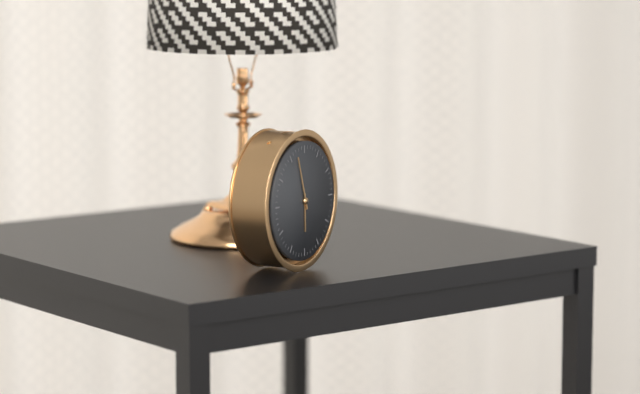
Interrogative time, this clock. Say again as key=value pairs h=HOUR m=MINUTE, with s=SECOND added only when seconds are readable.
h=5 m=57
